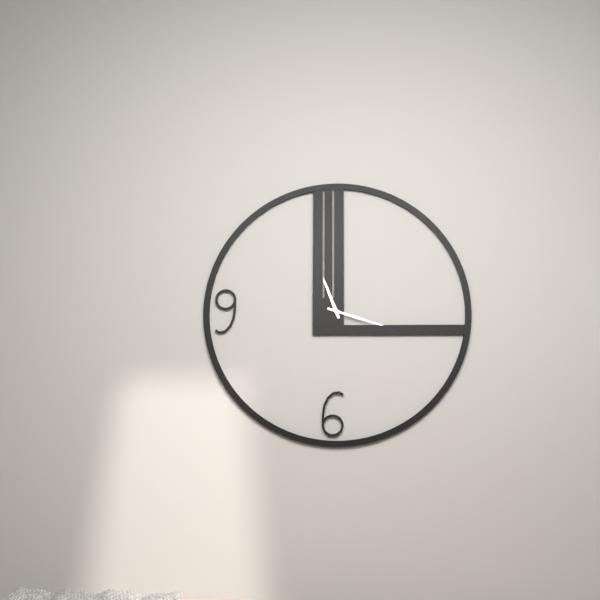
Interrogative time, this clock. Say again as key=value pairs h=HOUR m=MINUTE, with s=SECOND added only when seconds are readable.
h=11 m=18
